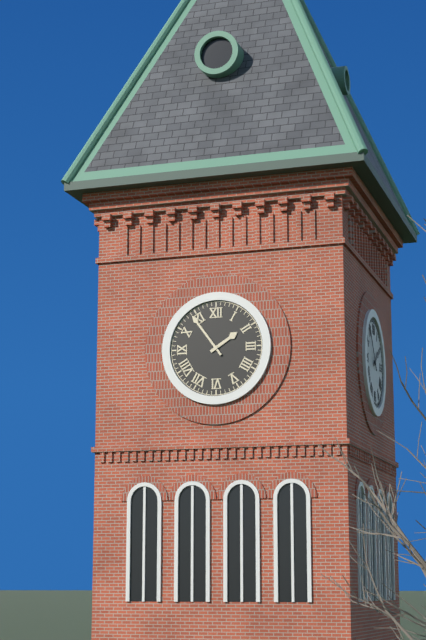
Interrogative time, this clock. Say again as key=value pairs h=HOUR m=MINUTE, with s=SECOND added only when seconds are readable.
h=1 m=54
